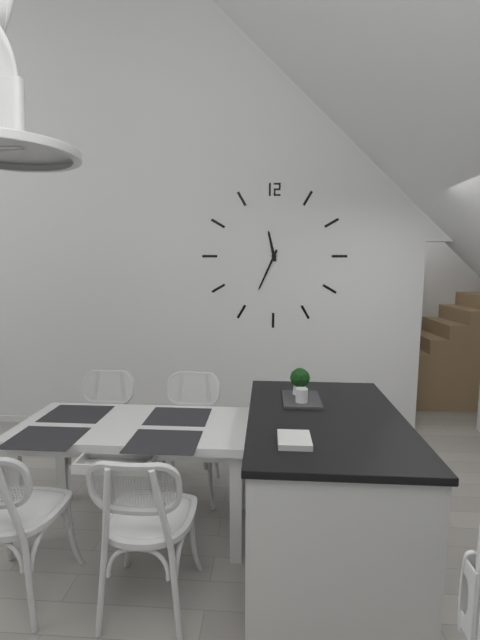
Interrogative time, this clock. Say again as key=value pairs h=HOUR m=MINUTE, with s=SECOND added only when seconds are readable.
h=11 m=34
